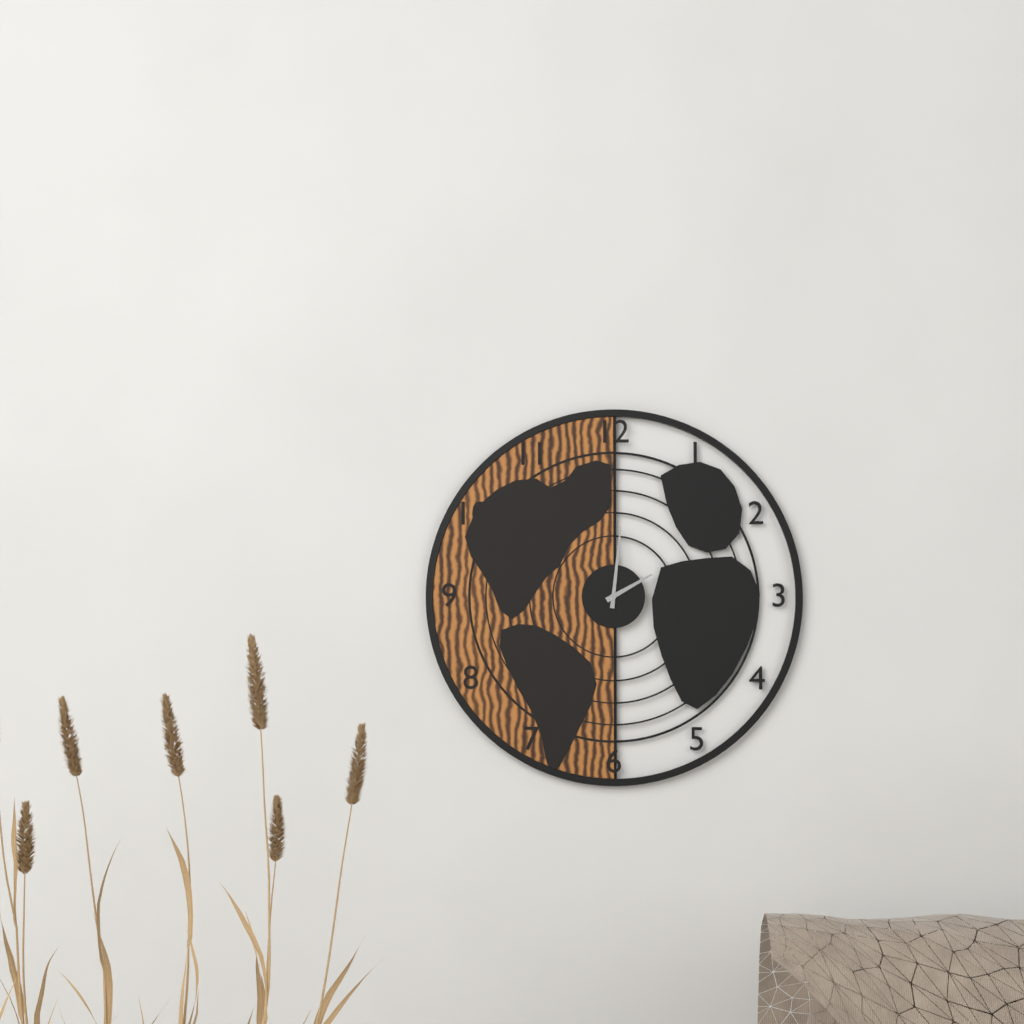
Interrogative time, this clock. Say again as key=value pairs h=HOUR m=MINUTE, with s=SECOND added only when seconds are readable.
h=2 m=1
